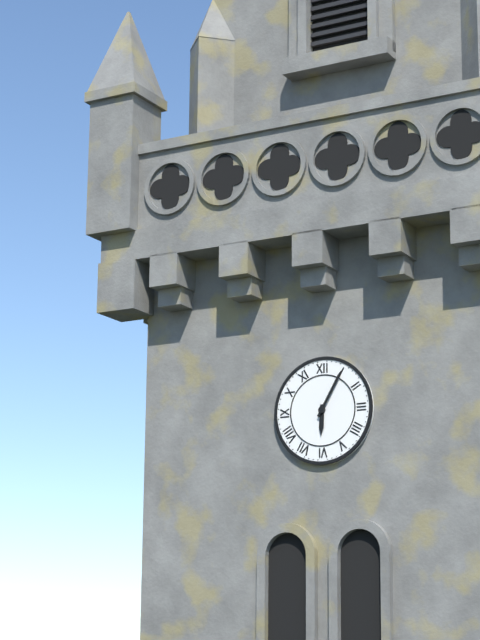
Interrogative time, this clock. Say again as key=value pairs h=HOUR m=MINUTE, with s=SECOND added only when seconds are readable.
h=6 m=5
